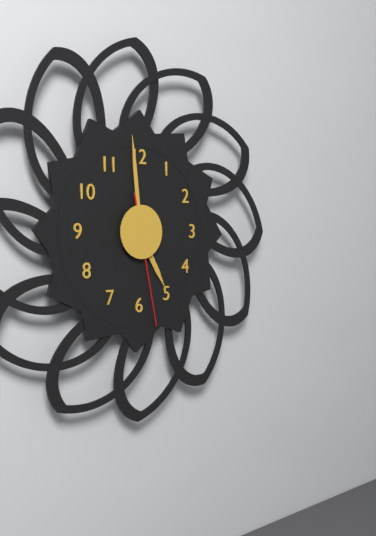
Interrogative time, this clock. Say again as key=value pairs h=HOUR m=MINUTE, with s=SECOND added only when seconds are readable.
h=4 m=59 s=28
